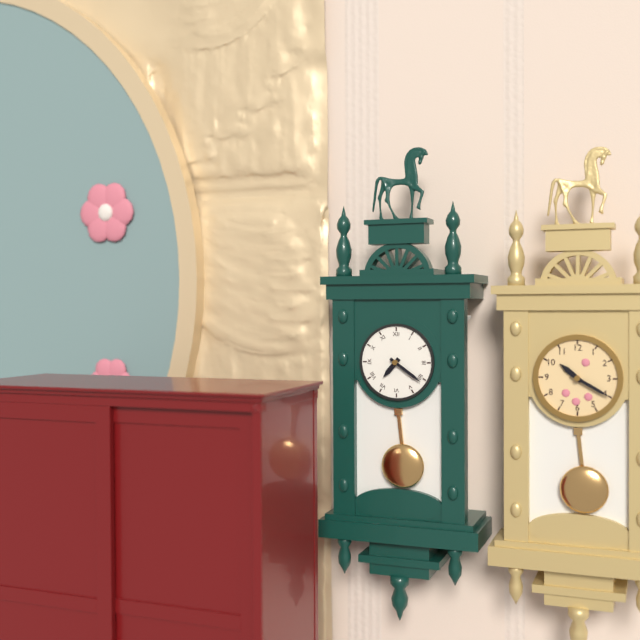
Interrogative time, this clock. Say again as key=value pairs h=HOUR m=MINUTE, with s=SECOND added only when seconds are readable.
h=7 m=21
